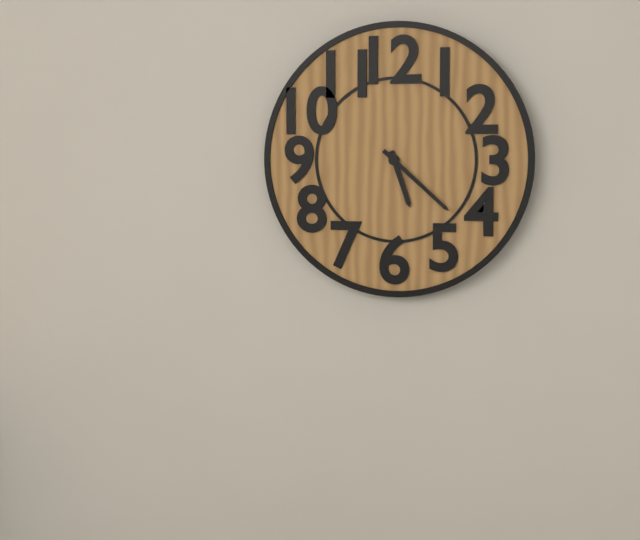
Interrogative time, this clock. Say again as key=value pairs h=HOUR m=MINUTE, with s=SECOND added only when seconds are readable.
h=5 m=22
